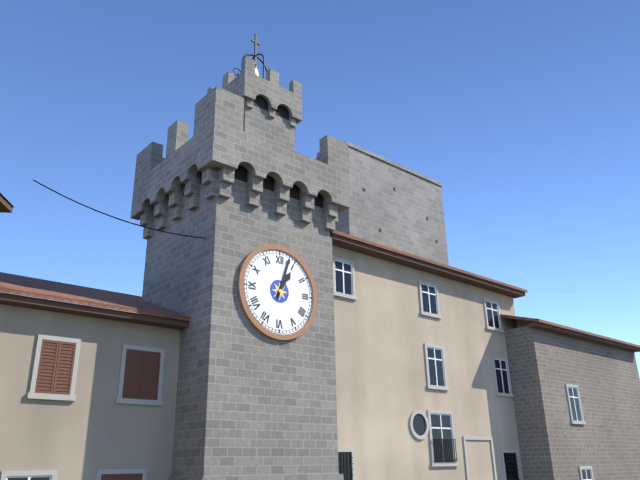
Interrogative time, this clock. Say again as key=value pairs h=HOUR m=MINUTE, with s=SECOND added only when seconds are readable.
h=1 m=3
